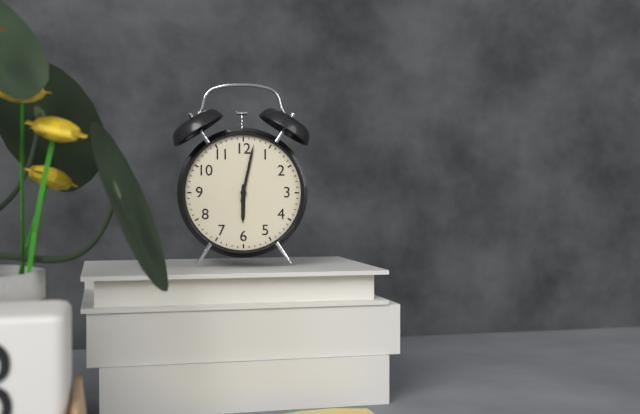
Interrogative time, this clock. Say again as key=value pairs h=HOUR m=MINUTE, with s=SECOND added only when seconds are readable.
h=6 m=2
